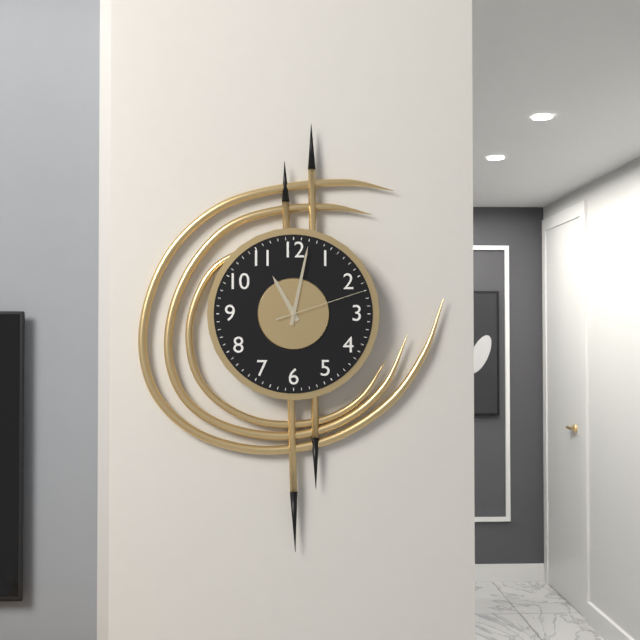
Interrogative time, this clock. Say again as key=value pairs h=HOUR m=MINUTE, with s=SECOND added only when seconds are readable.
h=11 m=2 s=12
